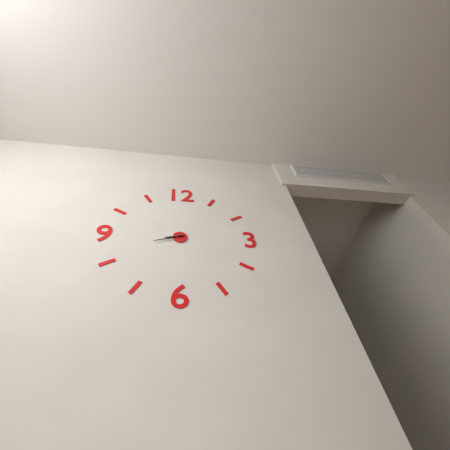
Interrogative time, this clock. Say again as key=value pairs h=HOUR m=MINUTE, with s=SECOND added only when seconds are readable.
h=8 m=42
